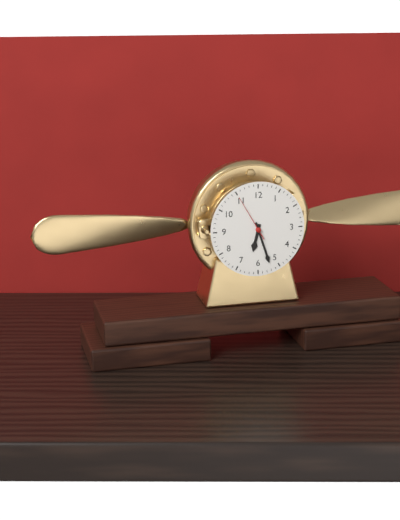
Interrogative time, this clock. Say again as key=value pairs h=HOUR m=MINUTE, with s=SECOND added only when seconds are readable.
h=6 m=27
